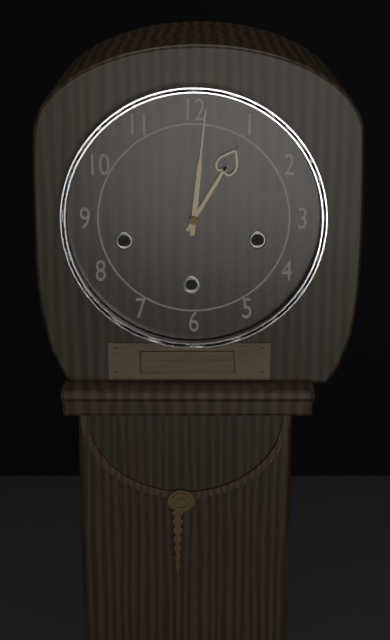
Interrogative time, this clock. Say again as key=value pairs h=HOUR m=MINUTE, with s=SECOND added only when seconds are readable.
h=1 m=1
